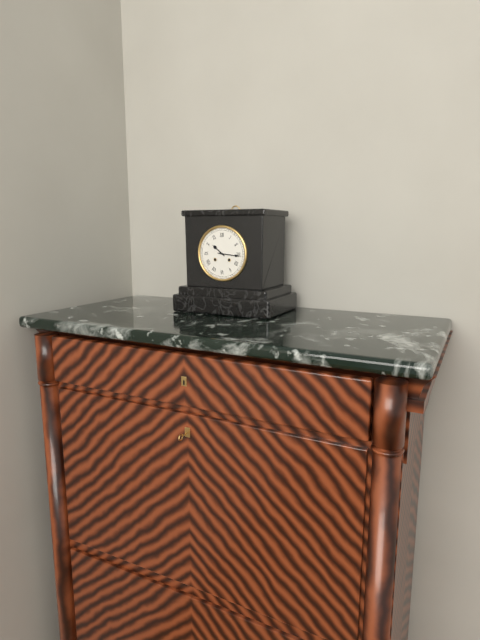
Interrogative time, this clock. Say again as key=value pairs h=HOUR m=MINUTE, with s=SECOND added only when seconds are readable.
h=10 m=16
